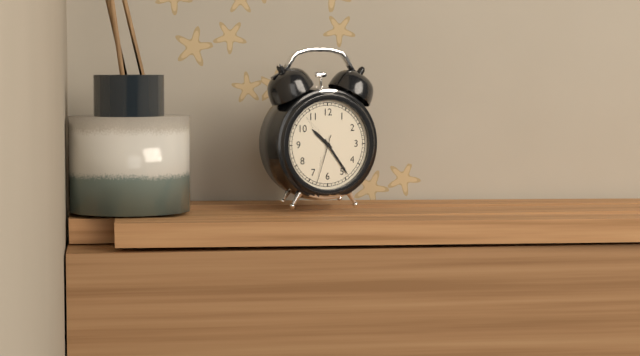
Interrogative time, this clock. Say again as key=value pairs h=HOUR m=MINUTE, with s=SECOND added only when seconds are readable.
h=10 m=24 s=33
